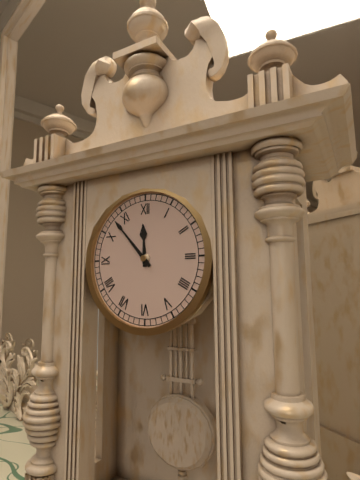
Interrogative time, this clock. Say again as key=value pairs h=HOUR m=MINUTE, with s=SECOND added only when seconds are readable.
h=11 m=53
